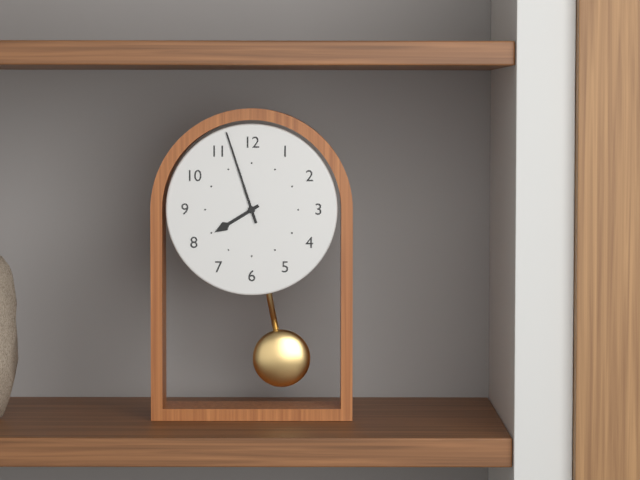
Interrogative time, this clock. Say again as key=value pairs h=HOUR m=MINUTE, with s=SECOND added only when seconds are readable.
h=7 m=57
